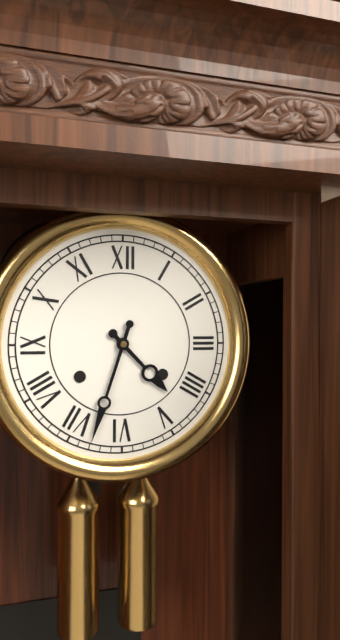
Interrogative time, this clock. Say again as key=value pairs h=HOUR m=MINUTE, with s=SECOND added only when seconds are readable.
h=4 m=33
